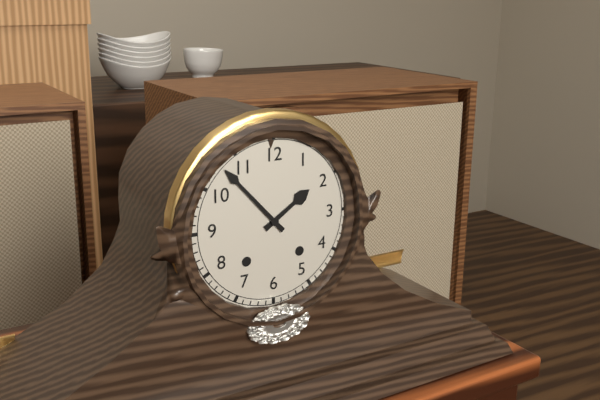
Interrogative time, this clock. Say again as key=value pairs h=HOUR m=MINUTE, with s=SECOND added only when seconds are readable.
h=1 m=53
